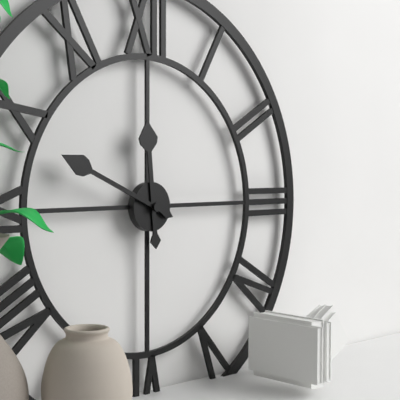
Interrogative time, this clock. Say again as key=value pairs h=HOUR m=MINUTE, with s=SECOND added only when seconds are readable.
h=11 m=49
